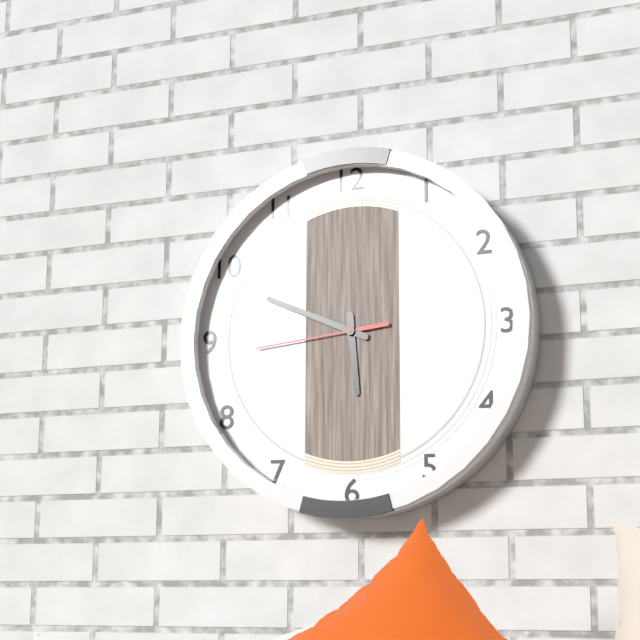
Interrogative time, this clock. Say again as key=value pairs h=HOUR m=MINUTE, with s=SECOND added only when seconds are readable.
h=5 m=49 s=44
